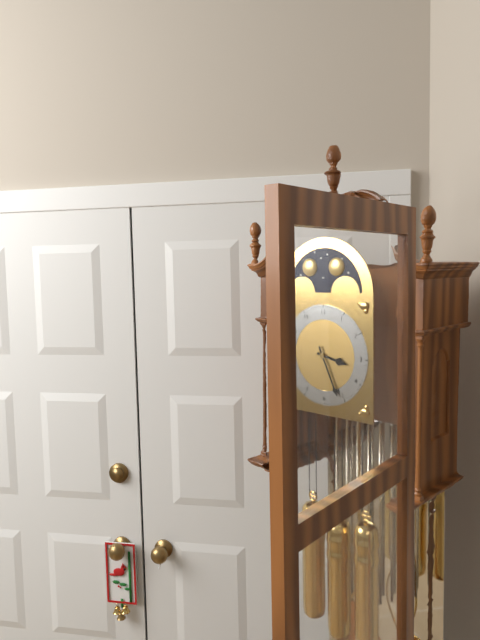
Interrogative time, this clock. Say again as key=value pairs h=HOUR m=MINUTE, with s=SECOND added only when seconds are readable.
h=3 m=26
